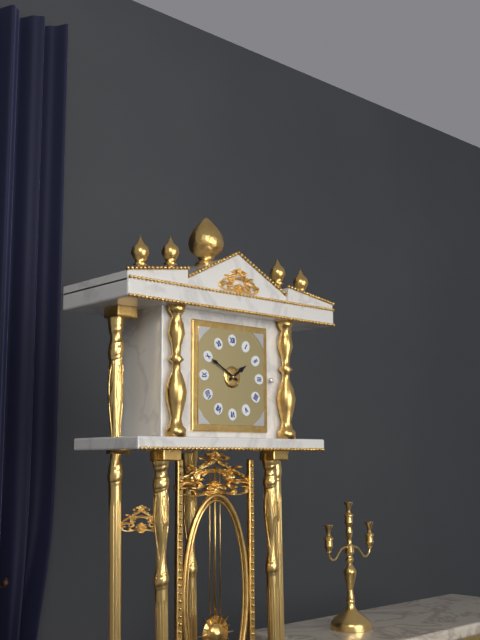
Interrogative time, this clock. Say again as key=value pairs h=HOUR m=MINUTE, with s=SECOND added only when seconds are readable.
h=1 m=50
